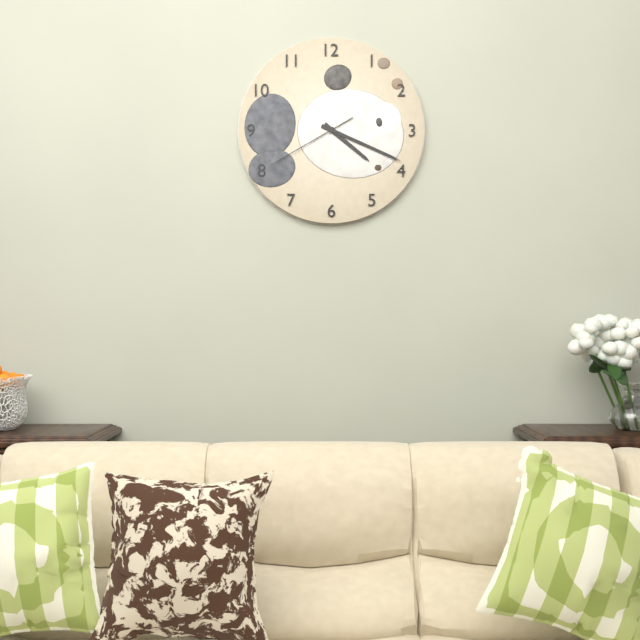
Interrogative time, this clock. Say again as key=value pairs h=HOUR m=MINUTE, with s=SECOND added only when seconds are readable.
h=4 m=19 s=40
